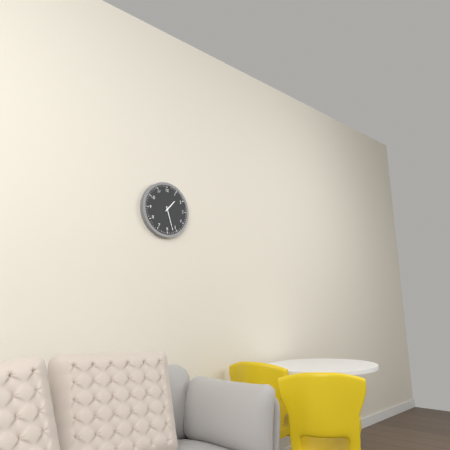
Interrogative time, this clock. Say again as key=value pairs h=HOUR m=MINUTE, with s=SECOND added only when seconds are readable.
h=1 m=27
